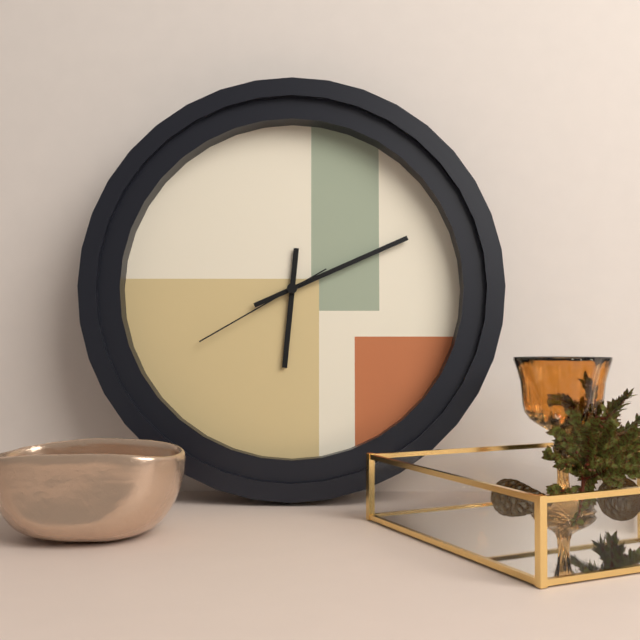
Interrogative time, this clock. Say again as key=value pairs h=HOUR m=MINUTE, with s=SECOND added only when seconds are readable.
h=6 m=11 s=40
